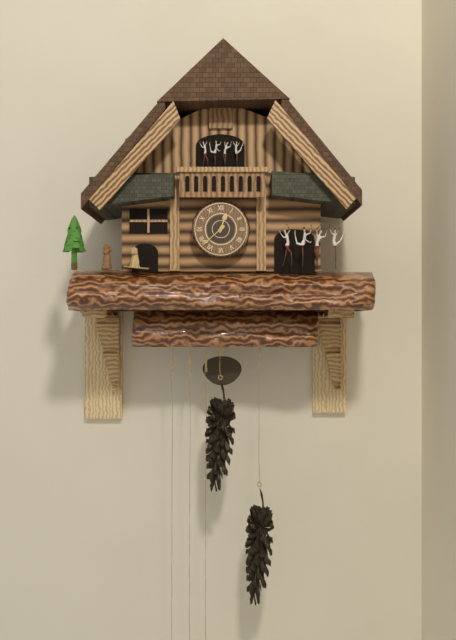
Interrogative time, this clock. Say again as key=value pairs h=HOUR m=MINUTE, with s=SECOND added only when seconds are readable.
h=12 m=38
